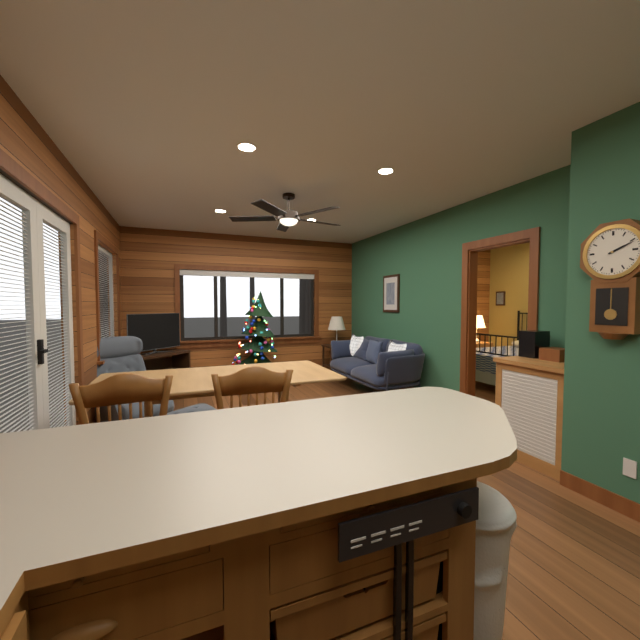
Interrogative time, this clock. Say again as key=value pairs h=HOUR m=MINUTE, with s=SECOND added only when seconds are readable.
h=2 m=11
